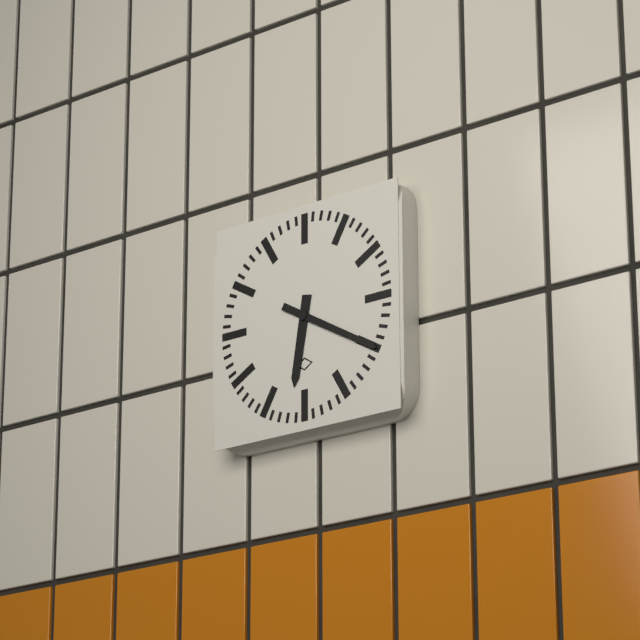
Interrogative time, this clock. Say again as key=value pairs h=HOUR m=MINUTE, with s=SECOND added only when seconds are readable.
h=6 m=20
